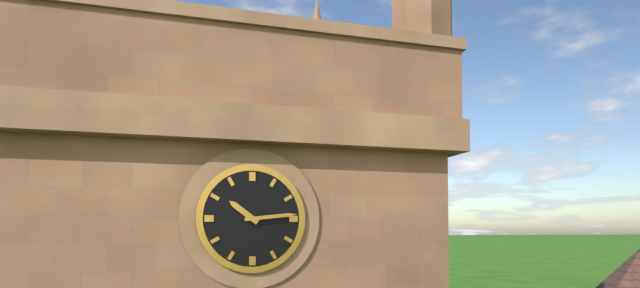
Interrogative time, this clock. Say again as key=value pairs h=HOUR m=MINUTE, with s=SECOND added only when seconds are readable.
h=10 m=14
